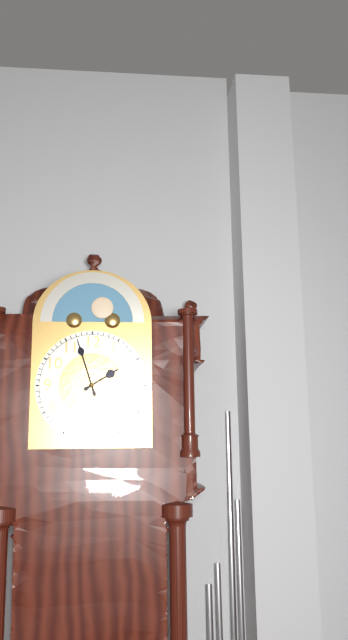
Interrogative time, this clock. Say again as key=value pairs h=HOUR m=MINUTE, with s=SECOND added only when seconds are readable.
h=1 m=57
